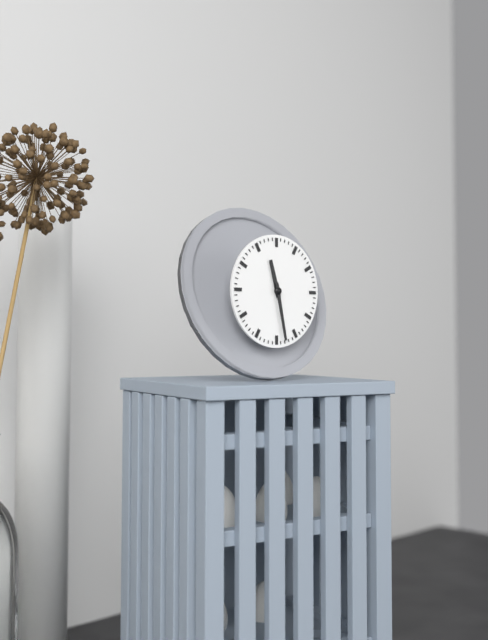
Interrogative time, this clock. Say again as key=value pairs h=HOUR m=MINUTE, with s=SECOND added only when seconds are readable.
h=11 m=28
